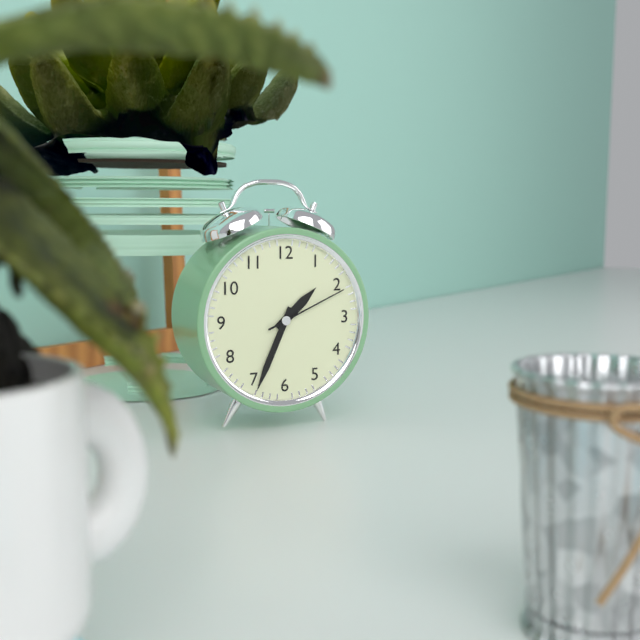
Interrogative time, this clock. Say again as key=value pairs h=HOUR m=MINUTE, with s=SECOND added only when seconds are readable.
h=1 m=34 s=11
